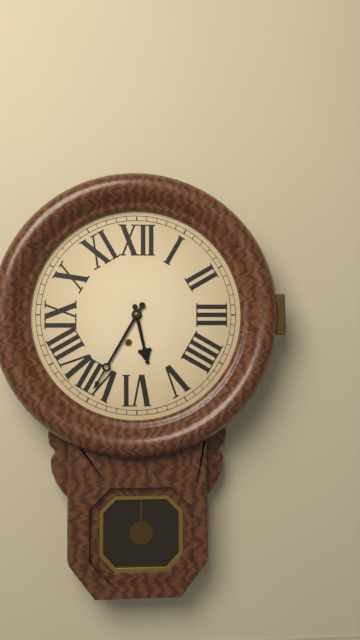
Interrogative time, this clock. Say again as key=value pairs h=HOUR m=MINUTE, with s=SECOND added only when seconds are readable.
h=5 m=35
